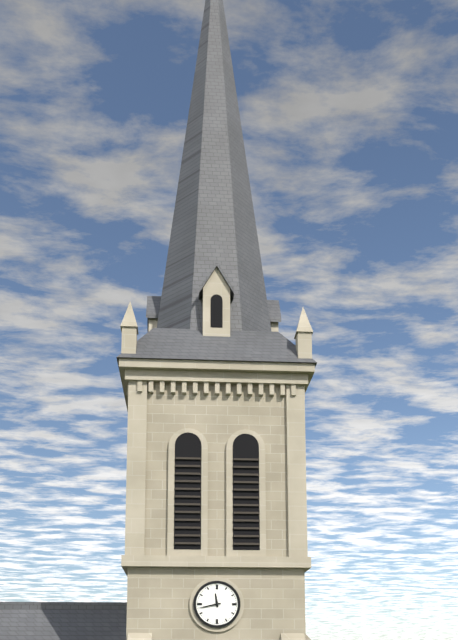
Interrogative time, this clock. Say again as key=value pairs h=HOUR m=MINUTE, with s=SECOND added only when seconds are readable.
h=11 m=43
